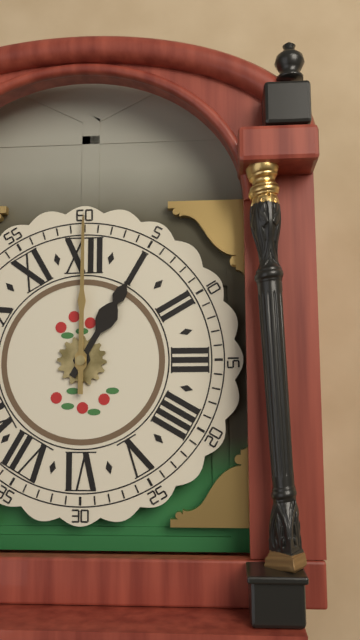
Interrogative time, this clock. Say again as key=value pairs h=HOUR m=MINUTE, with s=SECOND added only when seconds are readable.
h=1 m=0
